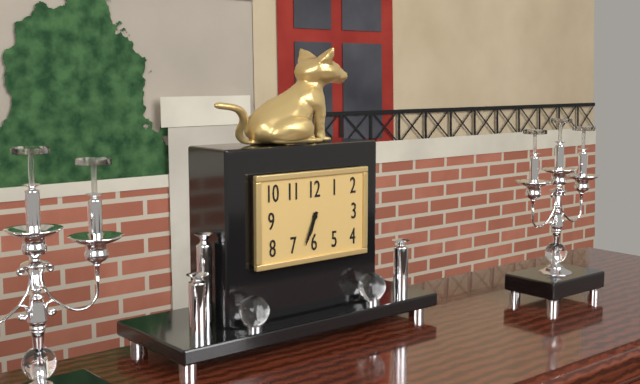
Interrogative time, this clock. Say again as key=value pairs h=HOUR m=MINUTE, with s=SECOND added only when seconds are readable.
h=6 m=34
